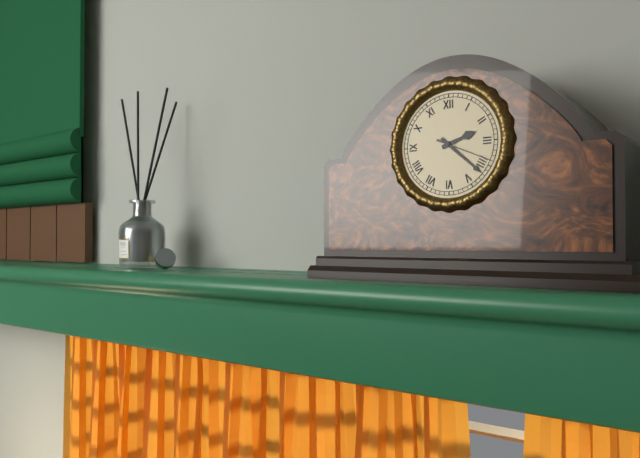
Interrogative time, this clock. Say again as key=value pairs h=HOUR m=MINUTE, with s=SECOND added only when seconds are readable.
h=2 m=22
